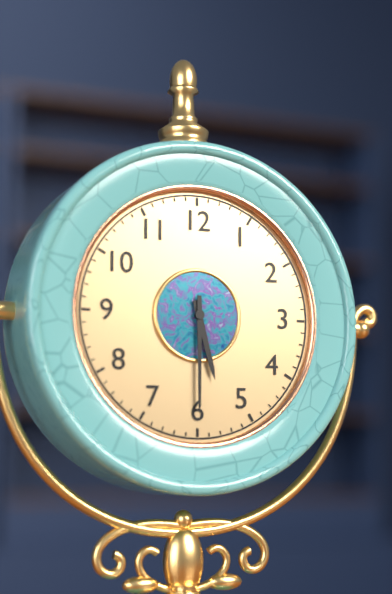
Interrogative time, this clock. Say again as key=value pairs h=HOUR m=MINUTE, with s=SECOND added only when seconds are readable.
h=5 m=30
